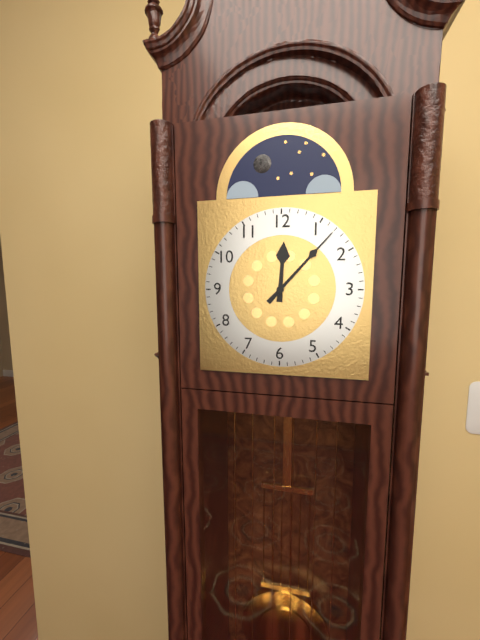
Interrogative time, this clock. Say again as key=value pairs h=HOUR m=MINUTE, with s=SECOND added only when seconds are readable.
h=12 m=7
